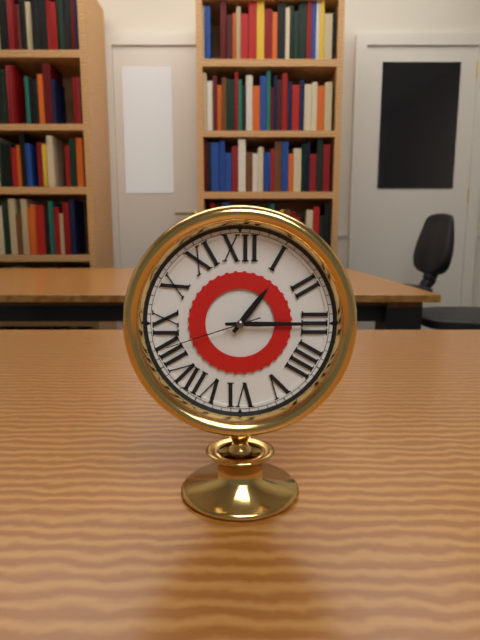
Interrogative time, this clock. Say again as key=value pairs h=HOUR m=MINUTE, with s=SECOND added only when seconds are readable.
h=1 m=15 s=42
